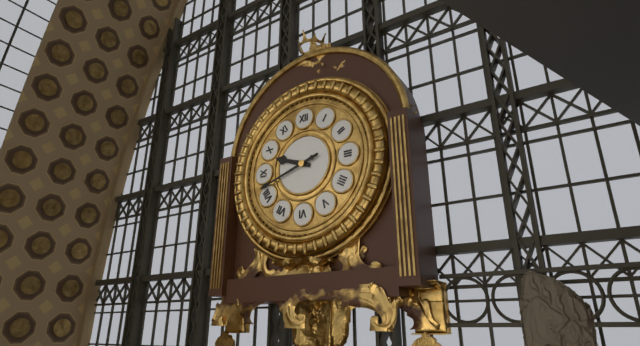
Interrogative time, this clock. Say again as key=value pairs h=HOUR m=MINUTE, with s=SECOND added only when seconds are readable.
h=9 m=42
